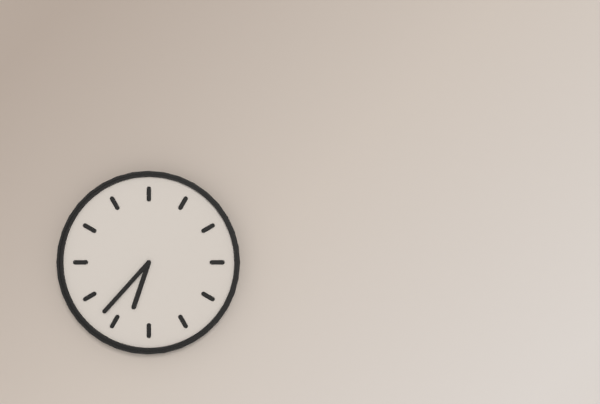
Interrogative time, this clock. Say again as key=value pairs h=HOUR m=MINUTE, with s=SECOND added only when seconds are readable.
h=6 m=37
